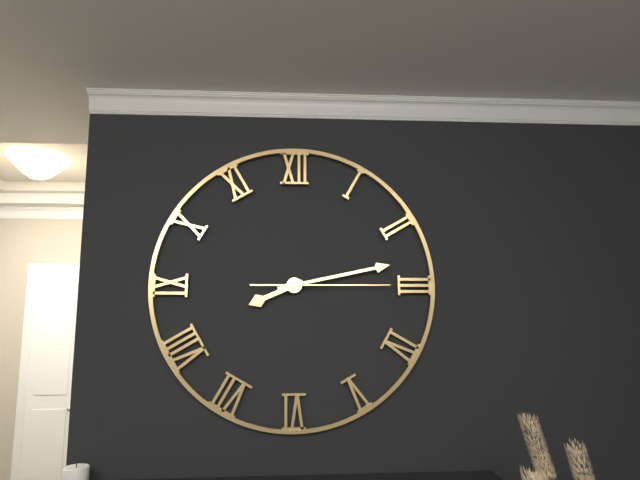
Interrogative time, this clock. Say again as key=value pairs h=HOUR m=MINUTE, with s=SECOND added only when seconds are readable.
h=8 m=13 s=15
